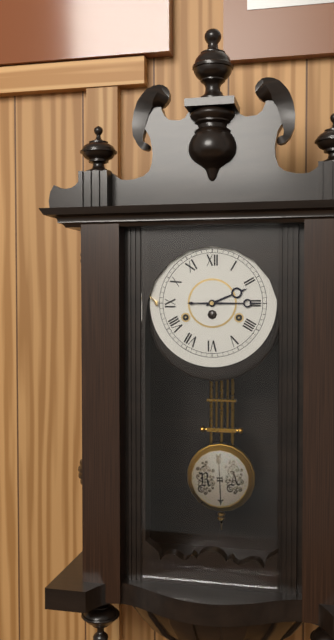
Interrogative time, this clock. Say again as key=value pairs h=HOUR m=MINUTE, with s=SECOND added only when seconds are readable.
h=2 m=15
